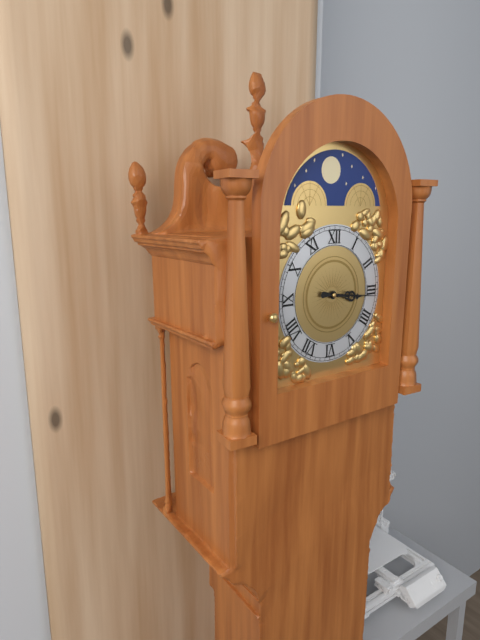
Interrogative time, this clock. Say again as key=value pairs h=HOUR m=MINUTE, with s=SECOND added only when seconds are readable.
h=3 m=16
